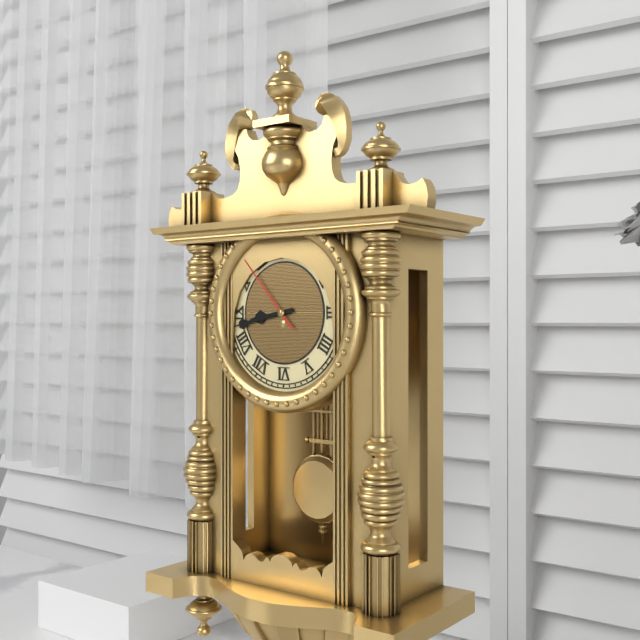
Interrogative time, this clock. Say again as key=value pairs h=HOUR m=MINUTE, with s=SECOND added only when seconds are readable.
h=8 m=43 s=53
